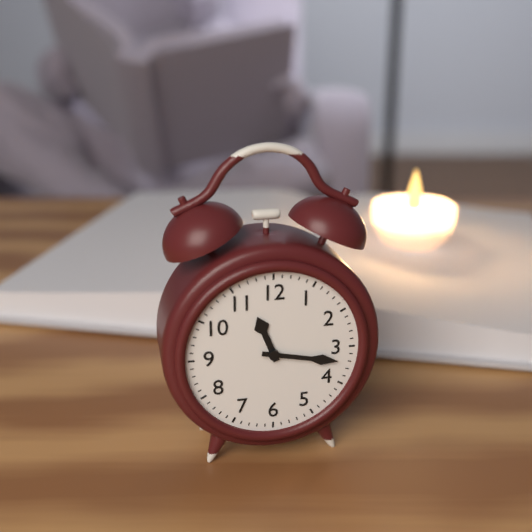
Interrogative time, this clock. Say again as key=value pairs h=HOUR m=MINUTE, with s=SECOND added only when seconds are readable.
h=11 m=17
